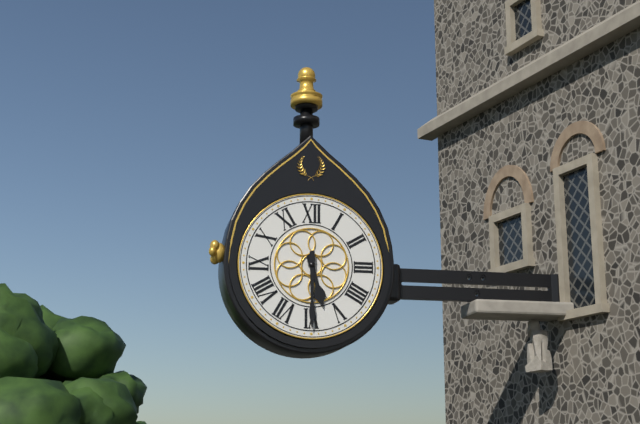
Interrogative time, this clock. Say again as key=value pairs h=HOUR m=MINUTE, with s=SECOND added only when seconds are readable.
h=5 m=30
